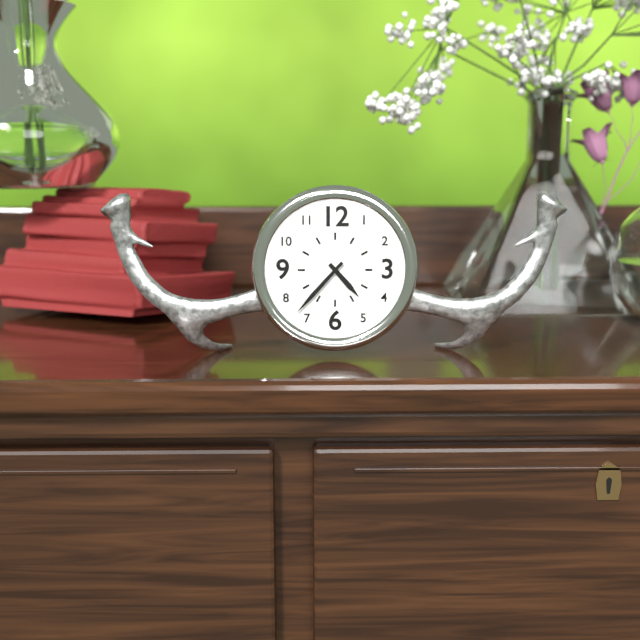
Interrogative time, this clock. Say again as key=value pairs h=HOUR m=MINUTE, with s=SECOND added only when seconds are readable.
h=4 m=37
